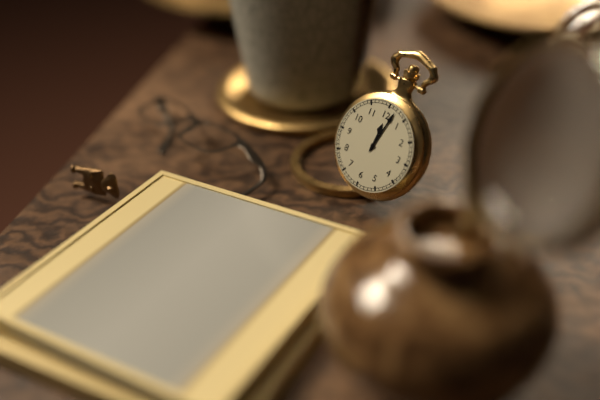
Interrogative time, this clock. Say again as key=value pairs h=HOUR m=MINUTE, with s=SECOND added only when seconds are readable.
h=12 m=2
